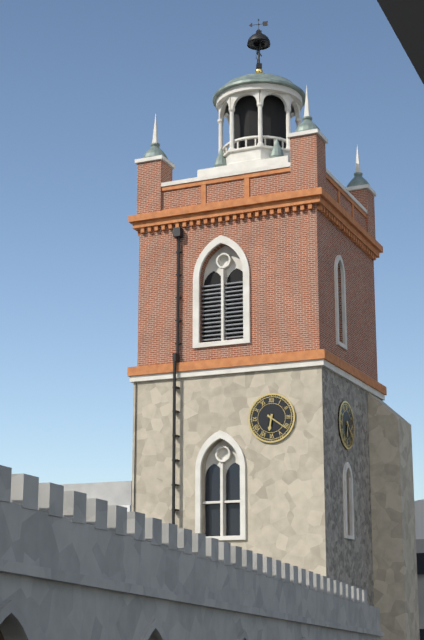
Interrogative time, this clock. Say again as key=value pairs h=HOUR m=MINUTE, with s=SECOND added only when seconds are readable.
h=6 m=21
